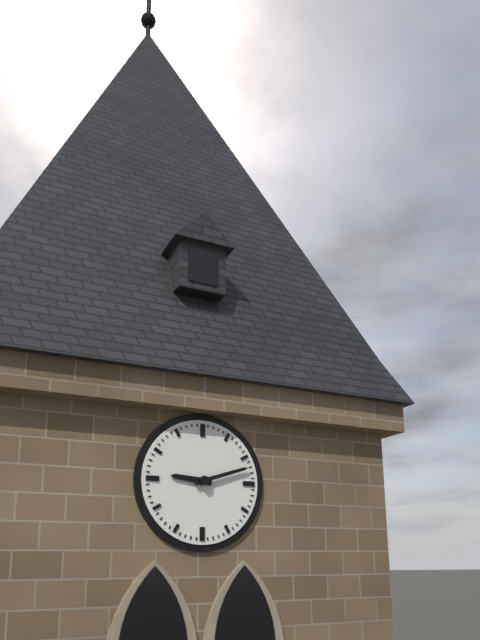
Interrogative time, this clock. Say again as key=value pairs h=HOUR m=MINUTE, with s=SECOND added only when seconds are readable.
h=9 m=12
